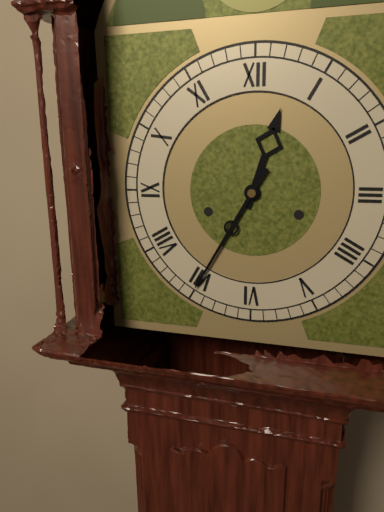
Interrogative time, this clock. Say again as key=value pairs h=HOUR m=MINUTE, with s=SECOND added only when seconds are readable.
h=12 m=35
